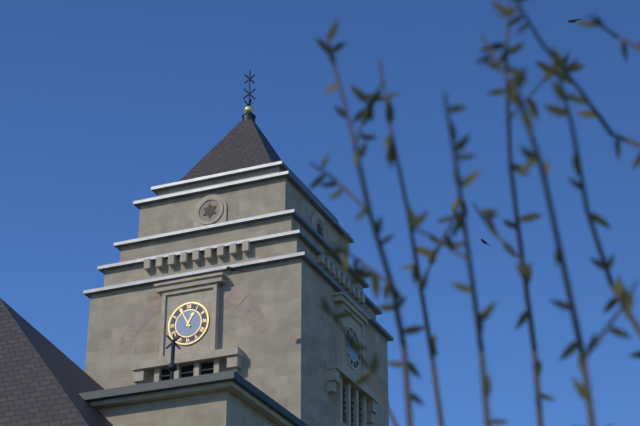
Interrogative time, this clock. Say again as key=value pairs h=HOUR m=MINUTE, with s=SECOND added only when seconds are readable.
h=12 m=55
